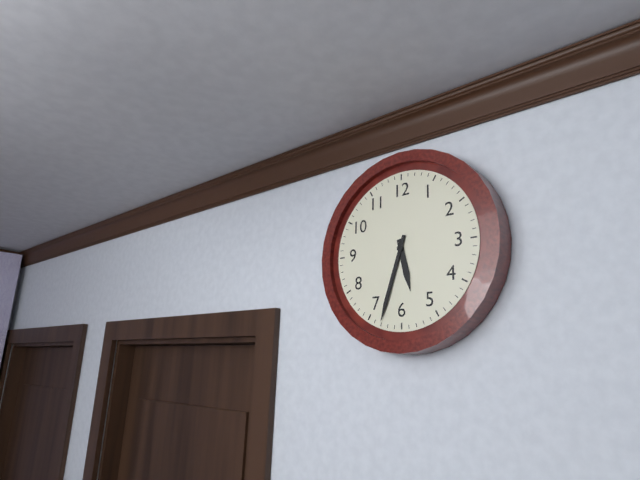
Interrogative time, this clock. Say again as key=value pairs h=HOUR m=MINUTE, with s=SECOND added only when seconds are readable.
h=5 m=33
